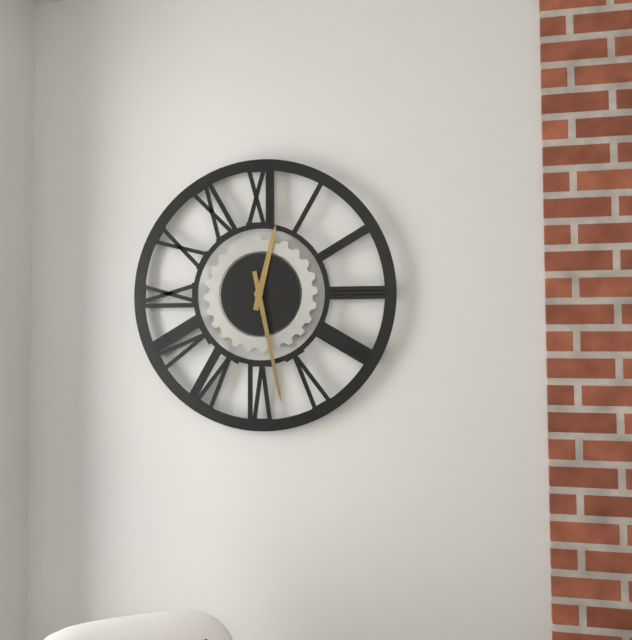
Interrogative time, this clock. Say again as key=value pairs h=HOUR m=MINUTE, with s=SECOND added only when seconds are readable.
h=12 m=28
